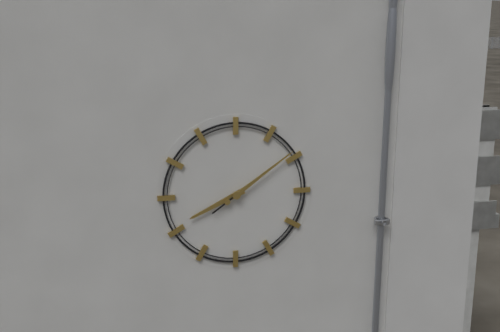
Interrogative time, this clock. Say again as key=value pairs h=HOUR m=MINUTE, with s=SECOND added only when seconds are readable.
h=8 m=9
